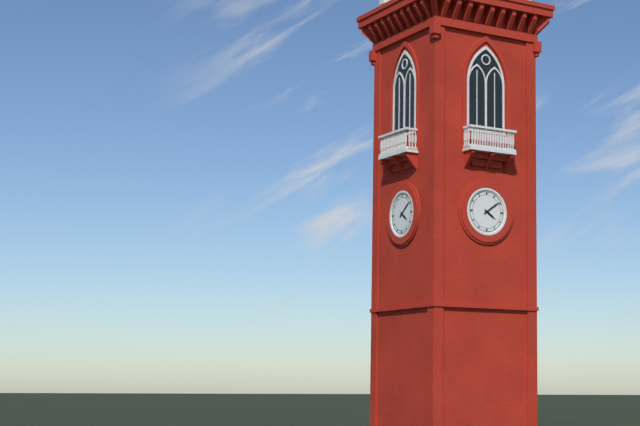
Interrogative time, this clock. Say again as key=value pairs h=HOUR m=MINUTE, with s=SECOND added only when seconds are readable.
h=4 m=9
